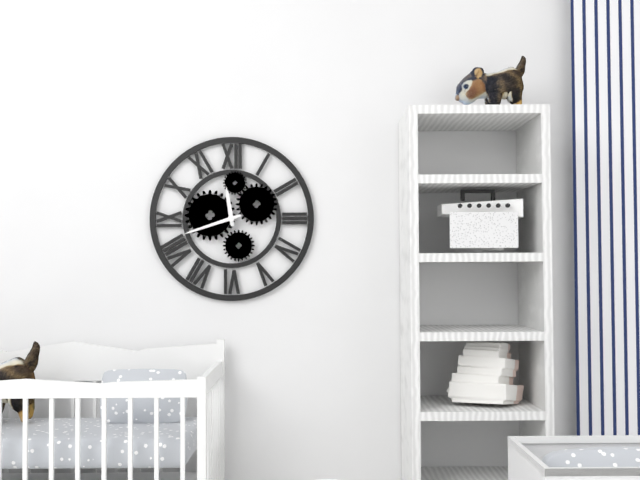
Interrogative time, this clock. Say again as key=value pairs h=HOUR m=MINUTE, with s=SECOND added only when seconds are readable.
h=11 m=42
